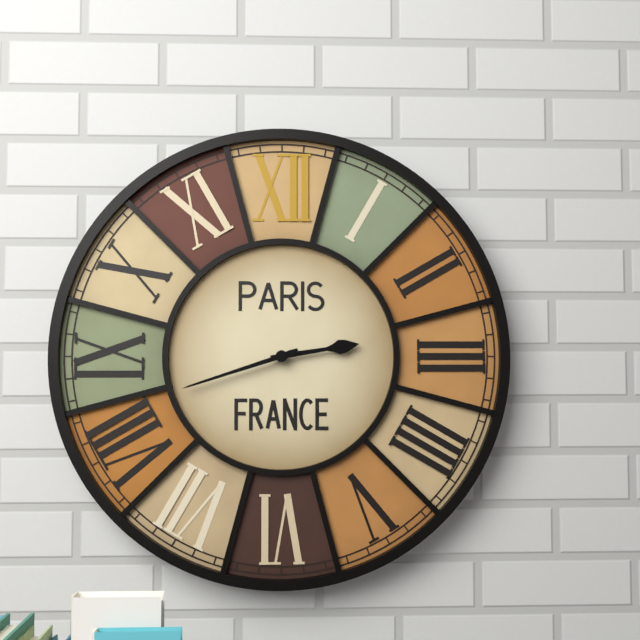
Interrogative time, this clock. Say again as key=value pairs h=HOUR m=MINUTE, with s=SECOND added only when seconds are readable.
h=2 m=42
